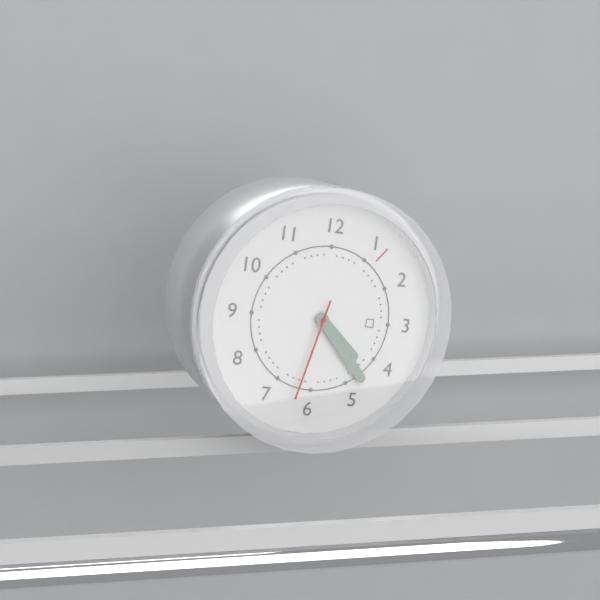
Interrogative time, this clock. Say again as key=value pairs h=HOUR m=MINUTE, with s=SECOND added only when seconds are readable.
h=4 m=23 s=32
